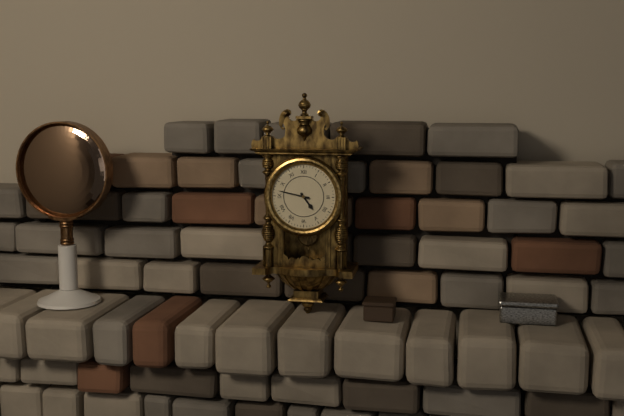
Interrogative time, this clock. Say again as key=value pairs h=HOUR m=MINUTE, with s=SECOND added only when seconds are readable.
h=4 m=47
